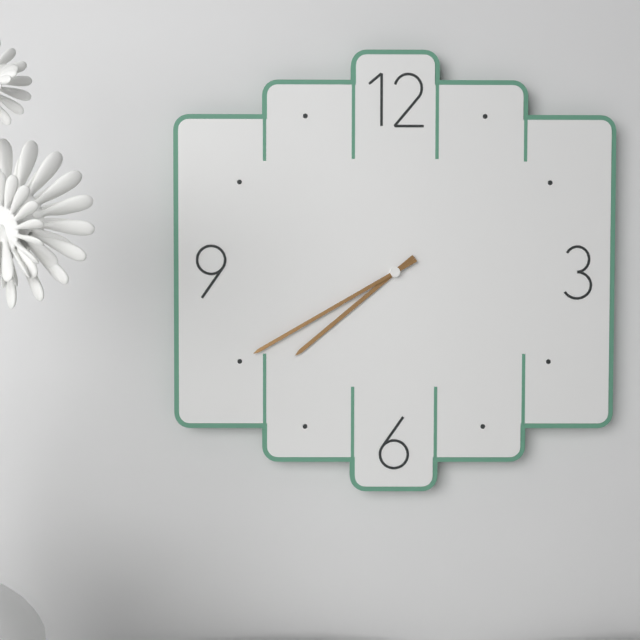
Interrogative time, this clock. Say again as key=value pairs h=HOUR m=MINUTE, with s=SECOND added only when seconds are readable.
h=7 m=40
